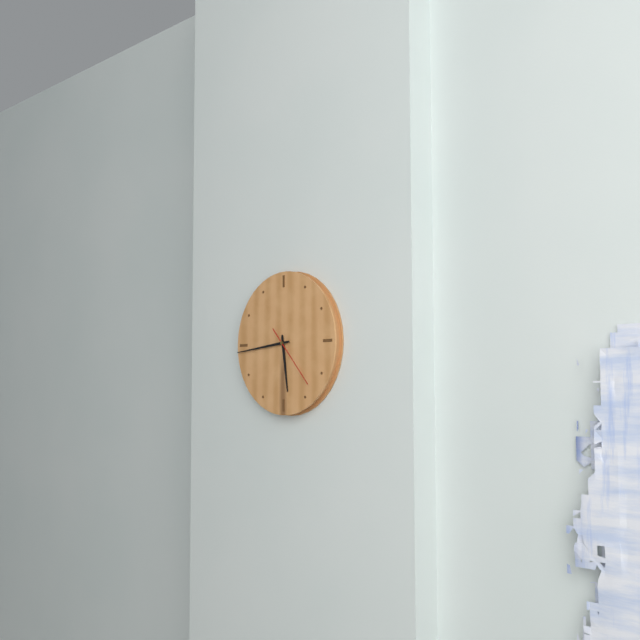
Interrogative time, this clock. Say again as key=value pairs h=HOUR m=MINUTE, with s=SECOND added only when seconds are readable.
h=5 m=44 s=23
